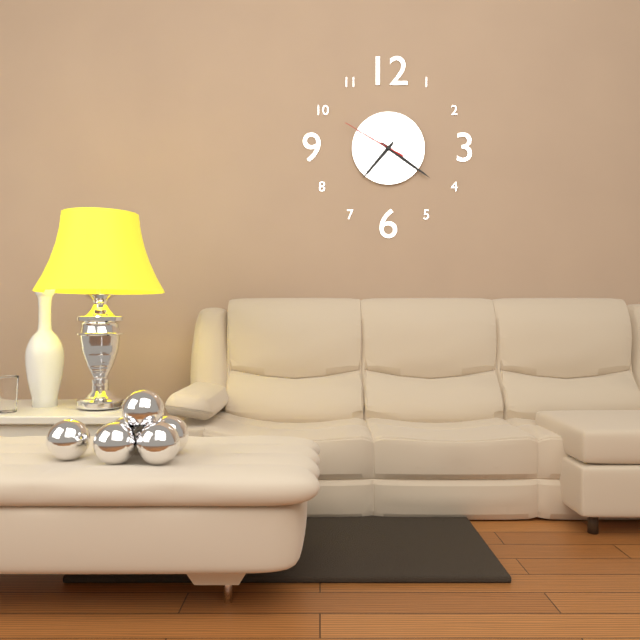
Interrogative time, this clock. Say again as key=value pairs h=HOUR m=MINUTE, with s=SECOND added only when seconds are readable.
h=7 m=21 s=50
